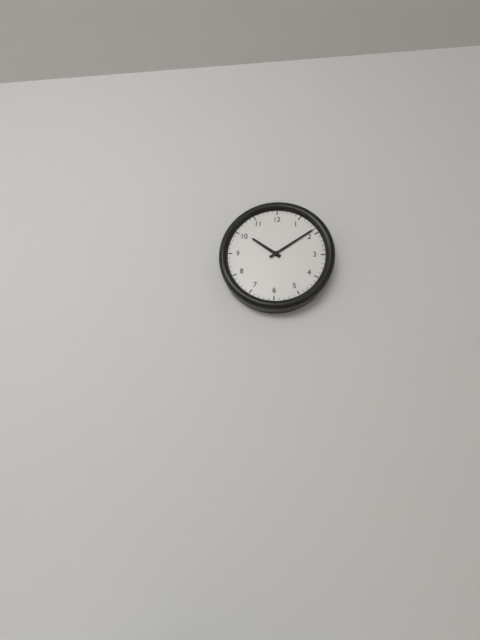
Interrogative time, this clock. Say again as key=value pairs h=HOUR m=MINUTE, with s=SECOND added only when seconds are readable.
h=10 m=9
